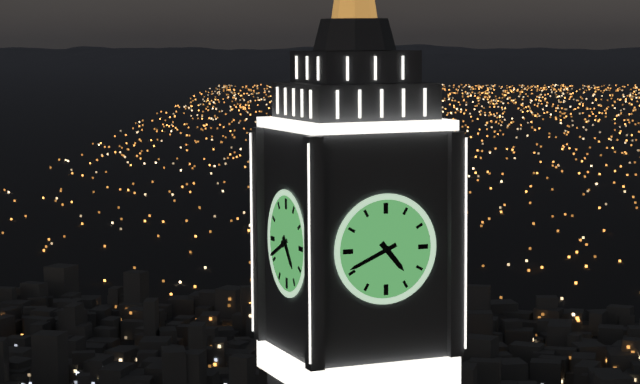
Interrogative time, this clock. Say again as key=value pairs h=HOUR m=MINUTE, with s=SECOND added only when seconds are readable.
h=4 m=41
